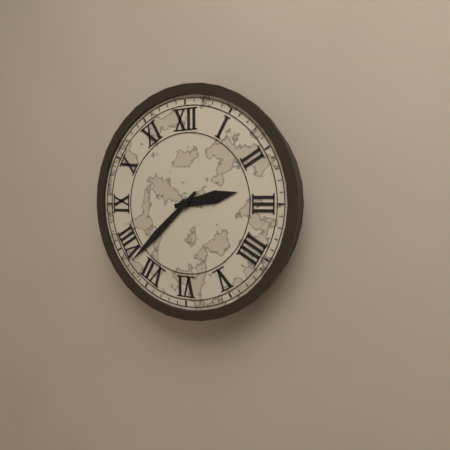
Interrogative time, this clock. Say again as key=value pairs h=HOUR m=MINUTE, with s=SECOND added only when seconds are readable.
h=2 m=38
